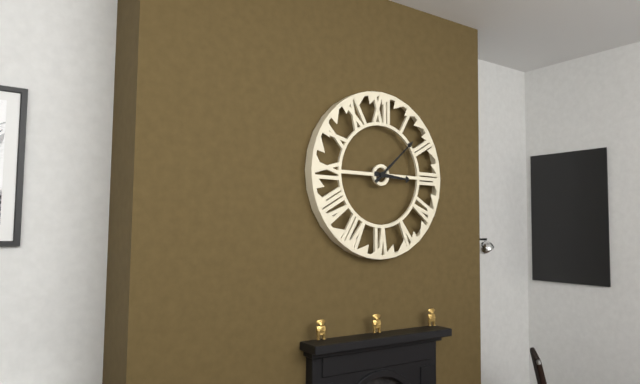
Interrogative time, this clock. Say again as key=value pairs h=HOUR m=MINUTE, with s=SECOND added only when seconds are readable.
h=3 m=8
